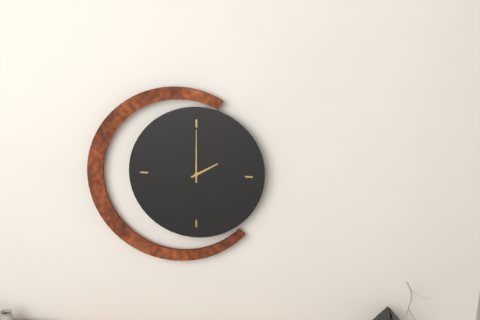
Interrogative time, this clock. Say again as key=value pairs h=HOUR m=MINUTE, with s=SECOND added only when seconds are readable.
h=2 m=0
